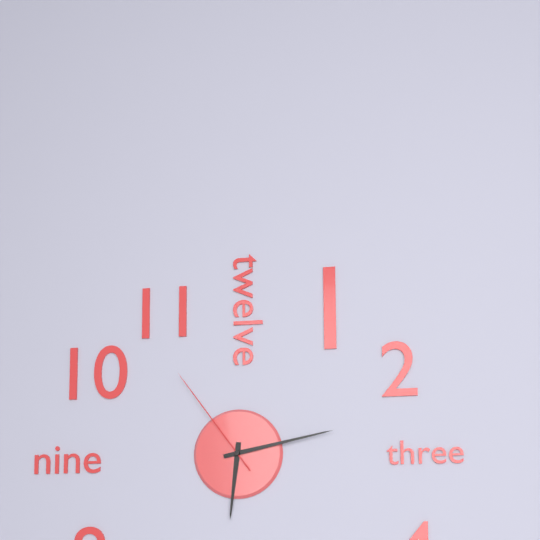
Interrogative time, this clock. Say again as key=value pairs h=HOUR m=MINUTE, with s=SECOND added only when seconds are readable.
h=6 m=13 s=54
